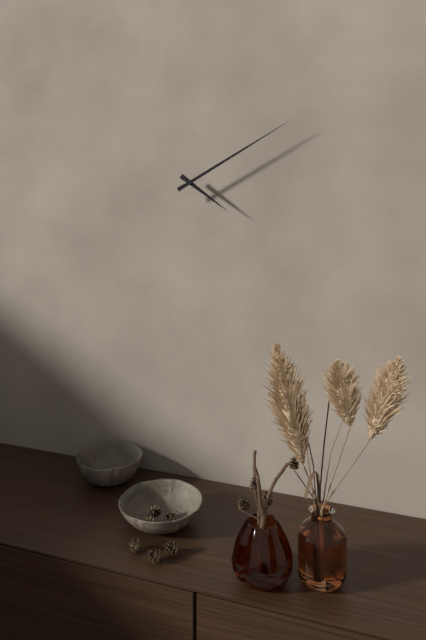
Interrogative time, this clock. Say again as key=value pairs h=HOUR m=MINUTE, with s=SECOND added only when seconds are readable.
h=4 m=10
